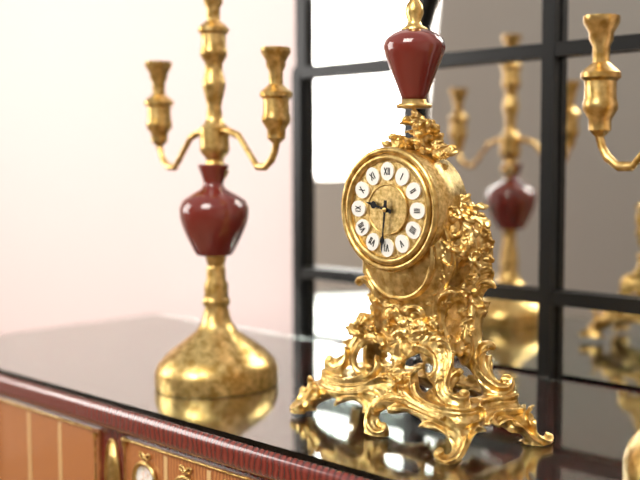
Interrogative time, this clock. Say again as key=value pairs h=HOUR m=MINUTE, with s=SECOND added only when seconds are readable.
h=9 m=31
